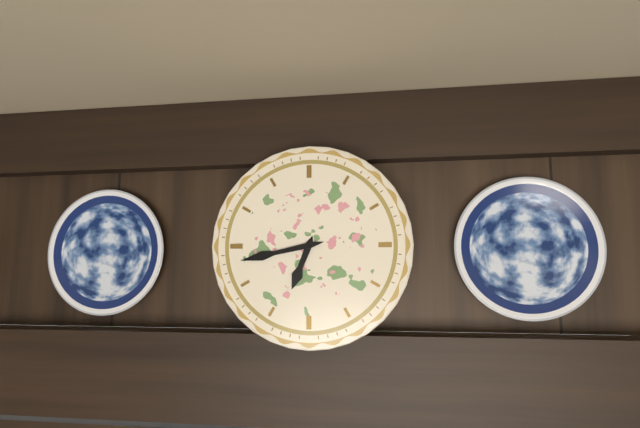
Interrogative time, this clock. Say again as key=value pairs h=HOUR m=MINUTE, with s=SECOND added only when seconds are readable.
h=6 m=43
